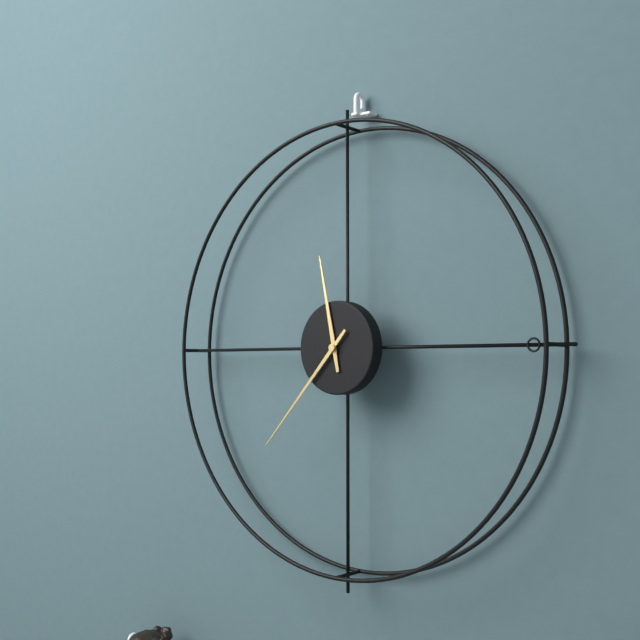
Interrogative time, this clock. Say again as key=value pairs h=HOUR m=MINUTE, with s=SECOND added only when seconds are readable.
h=11 m=37
